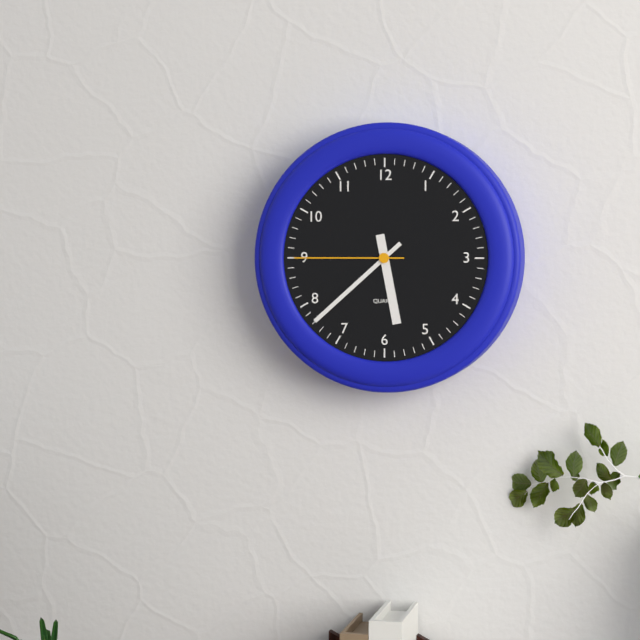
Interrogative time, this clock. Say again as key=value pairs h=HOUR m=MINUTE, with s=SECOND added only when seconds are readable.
h=5 m=38 s=45
